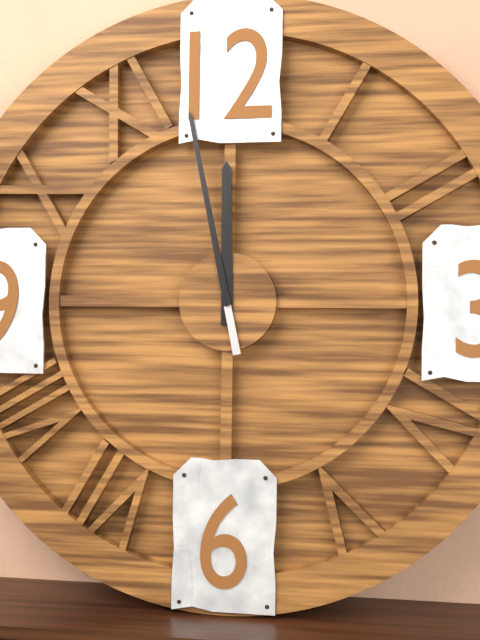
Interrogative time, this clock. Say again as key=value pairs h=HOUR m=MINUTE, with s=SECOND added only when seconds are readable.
h=11 m=58
